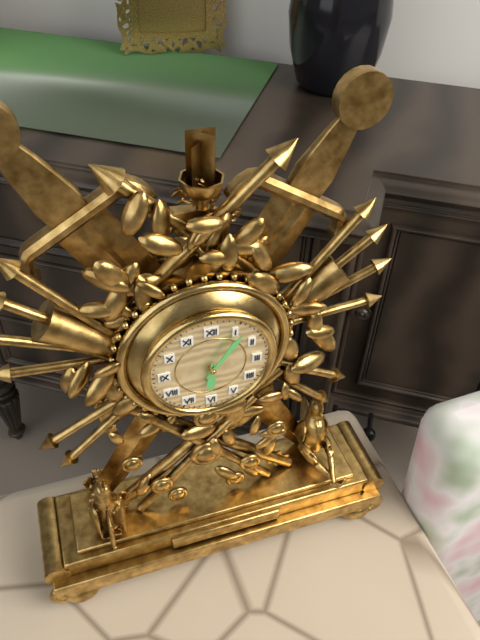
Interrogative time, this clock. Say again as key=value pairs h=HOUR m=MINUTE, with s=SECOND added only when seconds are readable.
h=6 m=6
